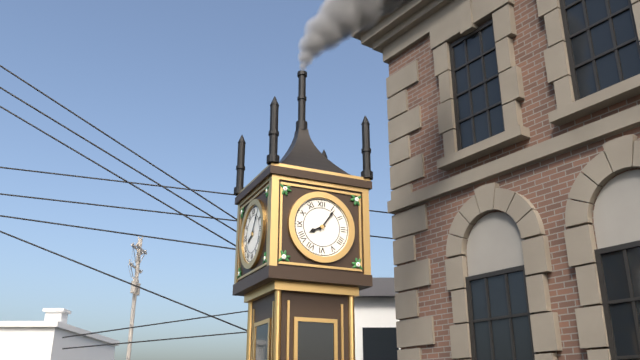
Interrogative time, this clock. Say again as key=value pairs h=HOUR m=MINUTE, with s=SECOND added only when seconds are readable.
h=8 m=6
